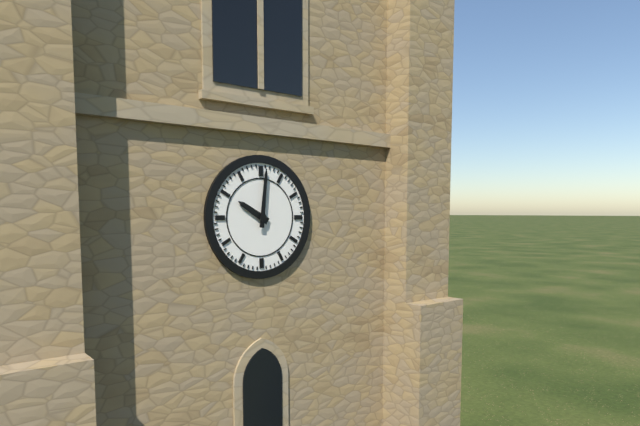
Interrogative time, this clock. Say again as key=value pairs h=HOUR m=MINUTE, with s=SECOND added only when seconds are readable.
h=10 m=1
